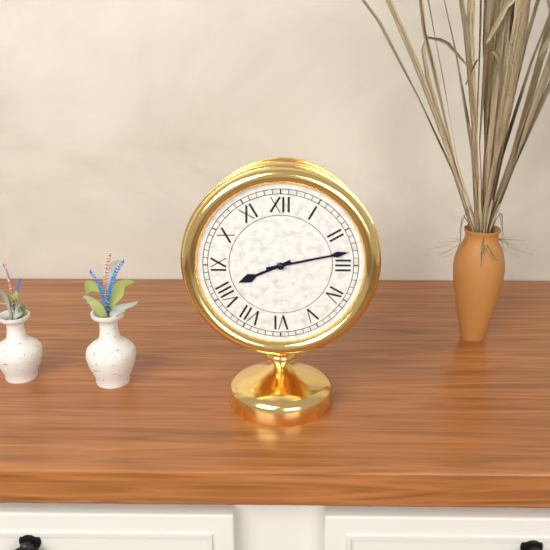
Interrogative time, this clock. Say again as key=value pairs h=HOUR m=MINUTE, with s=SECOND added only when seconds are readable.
h=8 m=13
